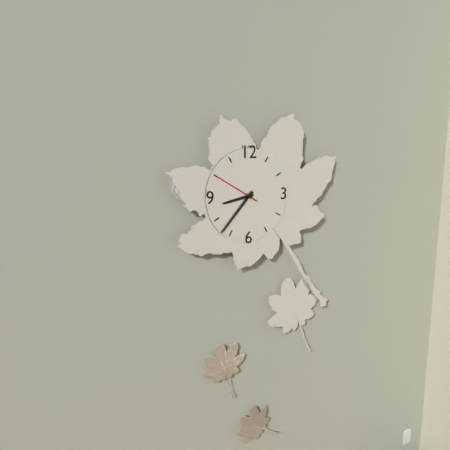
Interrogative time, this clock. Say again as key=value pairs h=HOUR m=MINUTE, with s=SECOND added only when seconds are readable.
h=8 m=37 s=50
